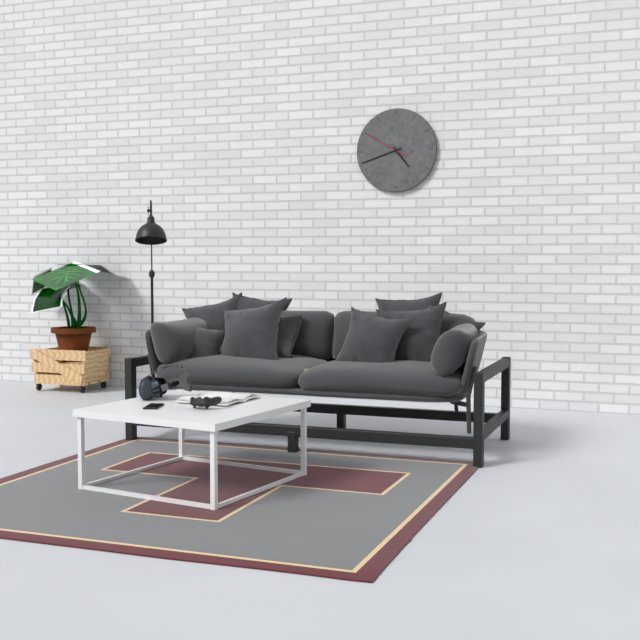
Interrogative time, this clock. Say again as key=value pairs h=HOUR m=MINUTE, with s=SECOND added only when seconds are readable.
h=4 m=42
